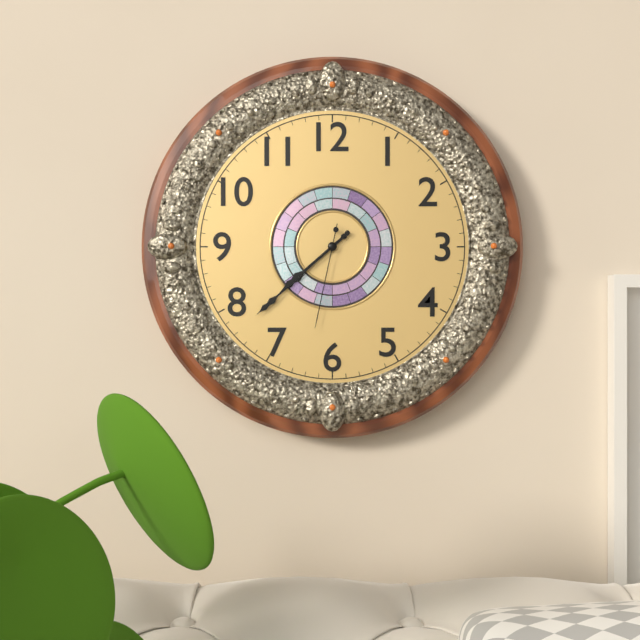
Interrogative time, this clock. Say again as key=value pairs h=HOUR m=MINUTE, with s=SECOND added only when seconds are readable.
h=7 m=38 s=32
